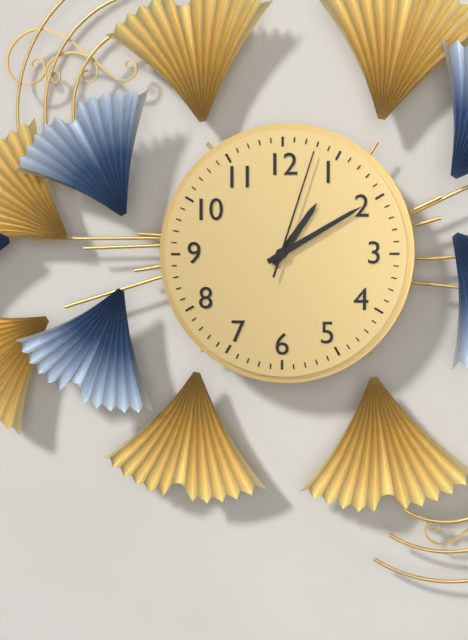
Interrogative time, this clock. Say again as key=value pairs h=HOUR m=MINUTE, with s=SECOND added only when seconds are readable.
h=1 m=10 s=3
